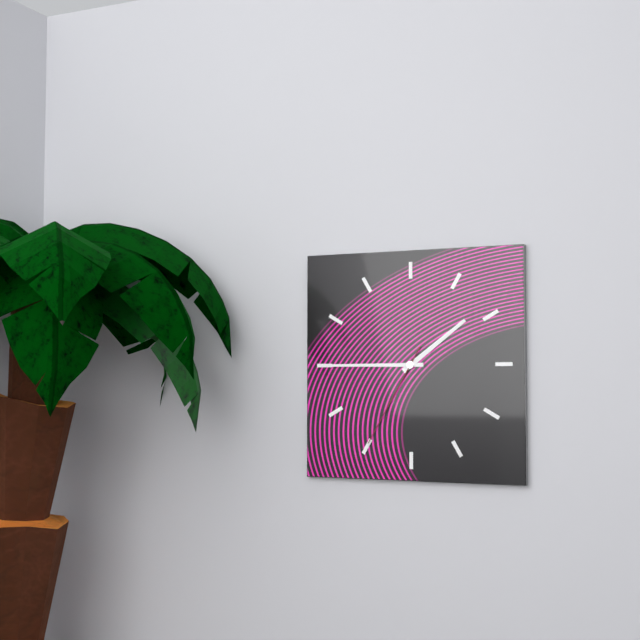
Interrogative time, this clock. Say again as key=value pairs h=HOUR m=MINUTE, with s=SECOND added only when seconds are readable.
h=1 m=45 s=35
